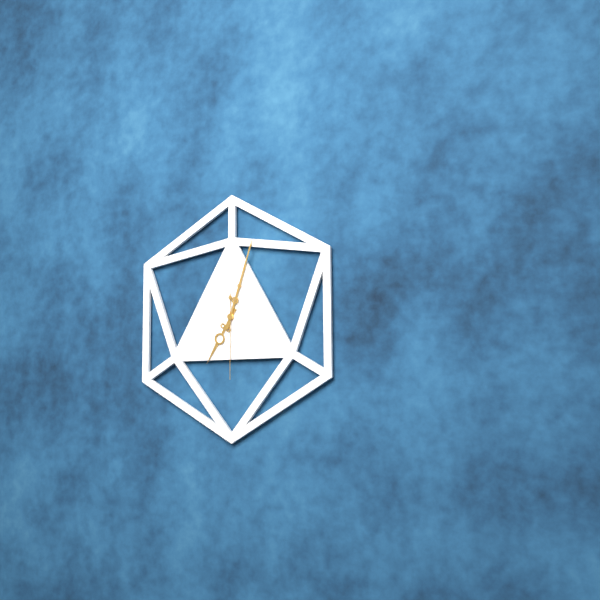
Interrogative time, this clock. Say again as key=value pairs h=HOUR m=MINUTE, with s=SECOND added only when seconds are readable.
h=7 m=3 s=30
